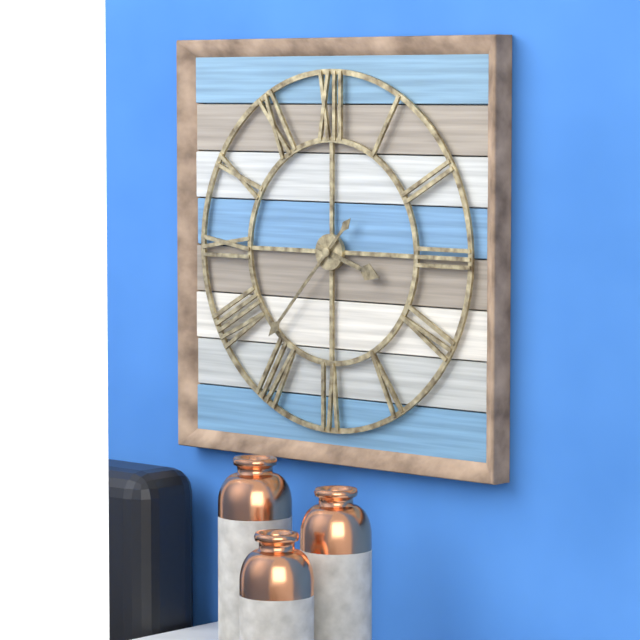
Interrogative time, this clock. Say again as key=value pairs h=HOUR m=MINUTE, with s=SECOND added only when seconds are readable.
h=3 m=37
